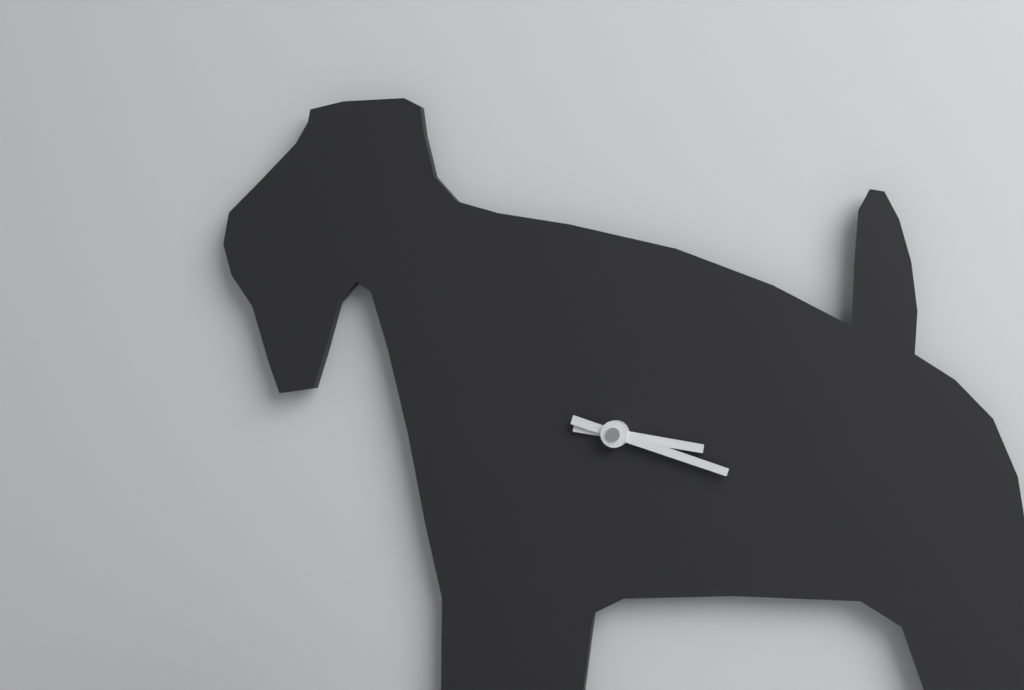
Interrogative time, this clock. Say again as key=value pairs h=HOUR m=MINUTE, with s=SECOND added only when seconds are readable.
h=3 m=18
